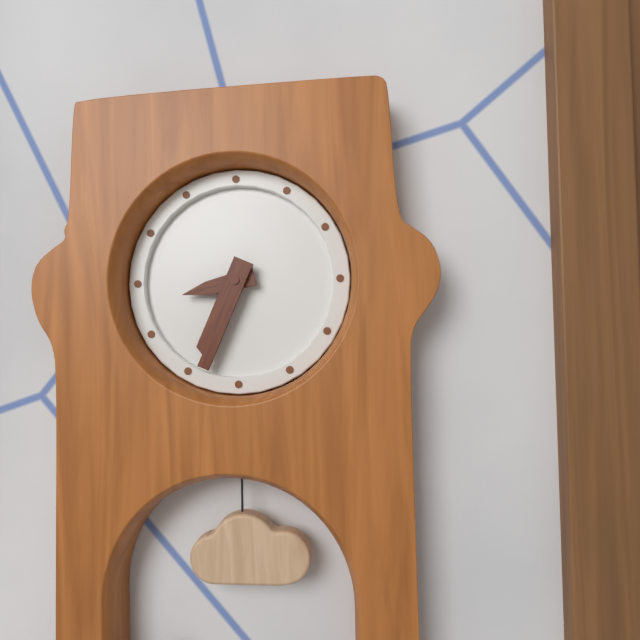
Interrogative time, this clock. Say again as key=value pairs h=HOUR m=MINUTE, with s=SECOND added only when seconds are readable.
h=8 m=34
